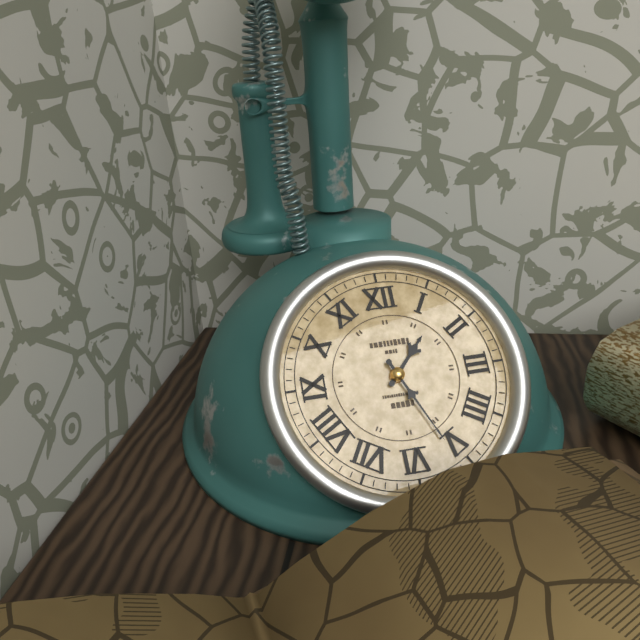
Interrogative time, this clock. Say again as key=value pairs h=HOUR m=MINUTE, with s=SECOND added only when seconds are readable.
h=1 m=26
